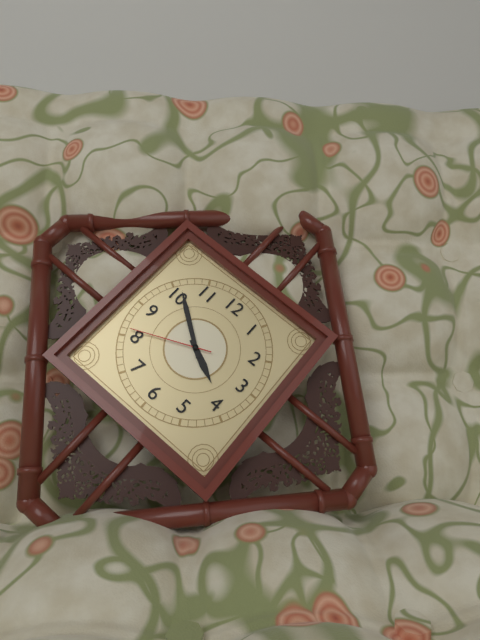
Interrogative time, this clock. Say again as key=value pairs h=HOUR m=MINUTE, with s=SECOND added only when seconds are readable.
h=3 m=51 s=41
